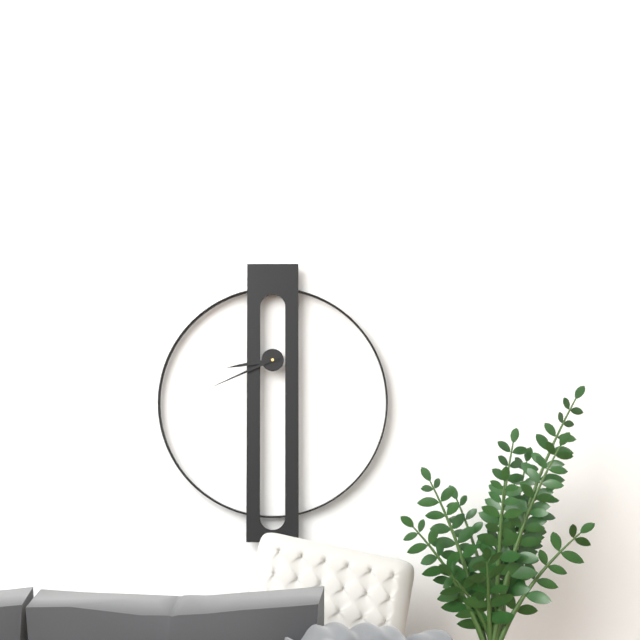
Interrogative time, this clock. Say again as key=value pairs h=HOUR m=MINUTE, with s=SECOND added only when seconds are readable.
h=8 m=41
